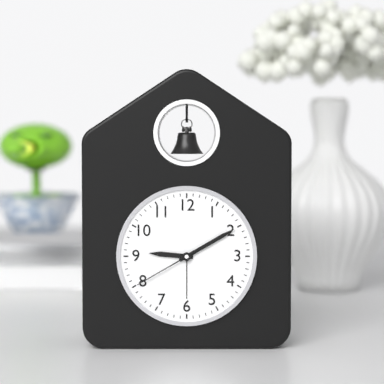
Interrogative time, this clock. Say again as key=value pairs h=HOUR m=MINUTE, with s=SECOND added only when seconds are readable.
h=9 m=10 s=40
